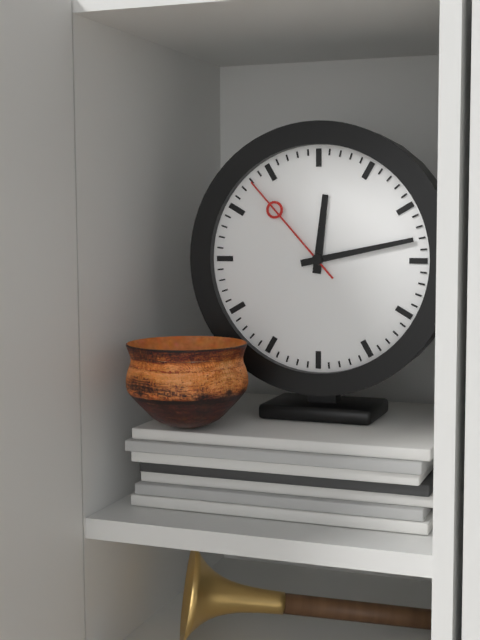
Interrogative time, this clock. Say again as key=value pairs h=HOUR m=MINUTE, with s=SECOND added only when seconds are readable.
h=12 m=13 s=53
